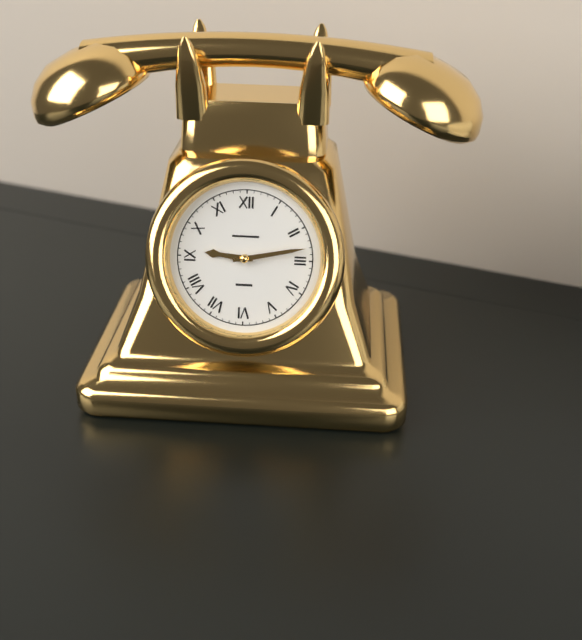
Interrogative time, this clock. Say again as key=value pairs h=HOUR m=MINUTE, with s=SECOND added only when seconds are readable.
h=9 m=13
